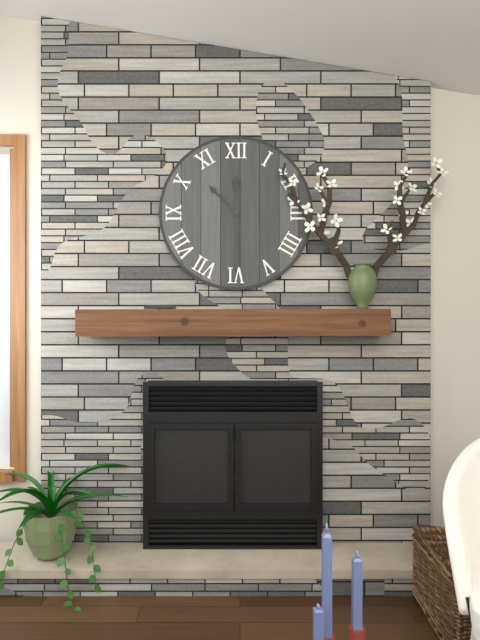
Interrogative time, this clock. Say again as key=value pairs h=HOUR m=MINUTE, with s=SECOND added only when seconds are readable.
h=10 m=30
